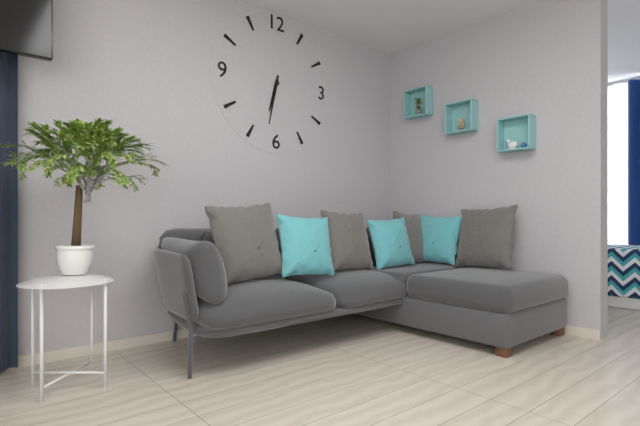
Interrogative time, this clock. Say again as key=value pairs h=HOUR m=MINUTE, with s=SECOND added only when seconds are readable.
h=6 m=32
